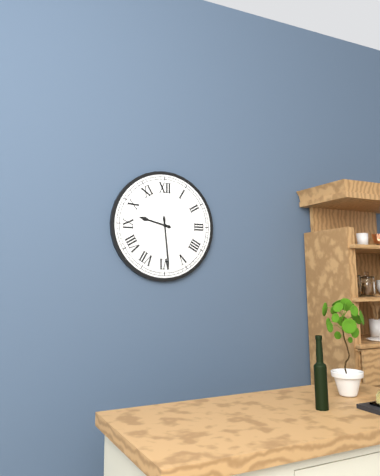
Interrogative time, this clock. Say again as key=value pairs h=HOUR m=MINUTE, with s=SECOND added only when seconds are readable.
h=9 m=29
